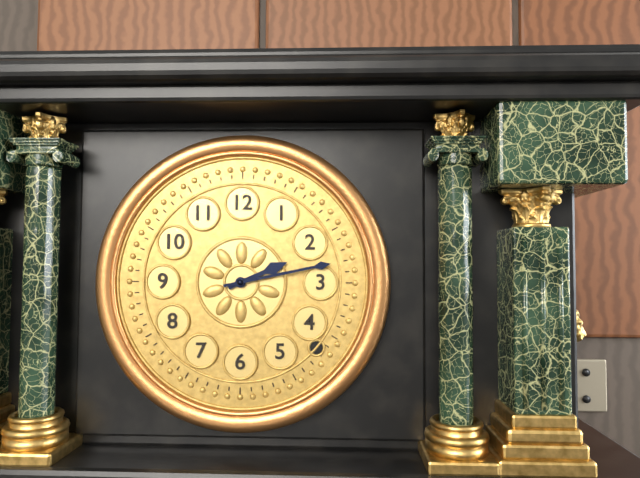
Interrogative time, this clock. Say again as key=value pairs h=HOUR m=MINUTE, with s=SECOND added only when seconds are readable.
h=2 m=13
